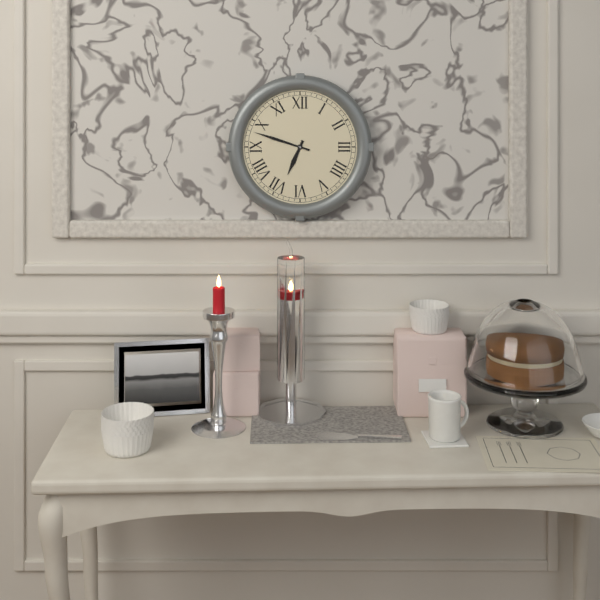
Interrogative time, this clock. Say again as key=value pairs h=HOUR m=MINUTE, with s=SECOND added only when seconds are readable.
h=6 m=48
